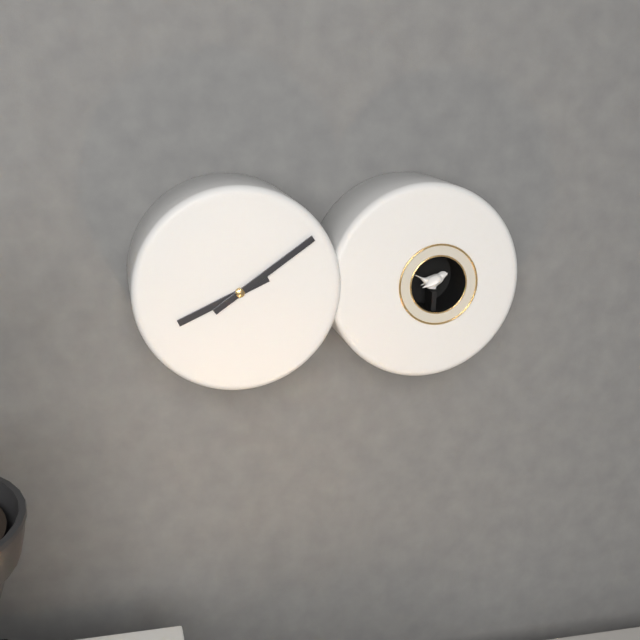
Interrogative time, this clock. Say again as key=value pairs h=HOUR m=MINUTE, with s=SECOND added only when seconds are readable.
h=8 m=9
